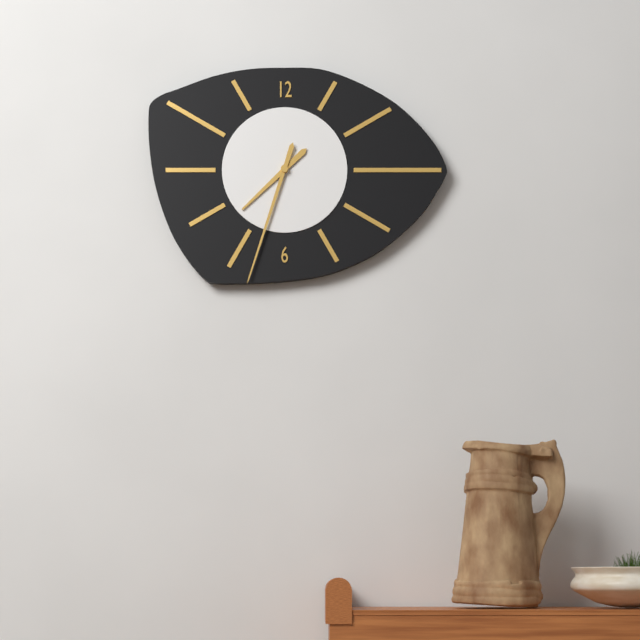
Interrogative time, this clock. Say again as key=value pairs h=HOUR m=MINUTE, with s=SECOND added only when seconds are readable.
h=7 m=33
